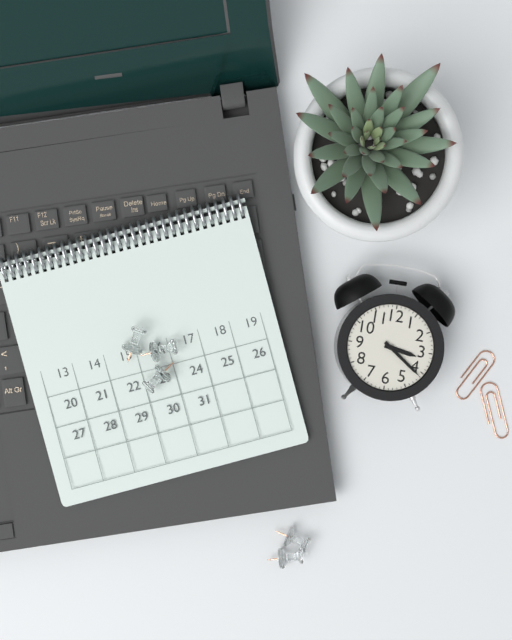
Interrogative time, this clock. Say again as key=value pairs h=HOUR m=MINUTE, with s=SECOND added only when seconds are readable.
h=3 m=21
